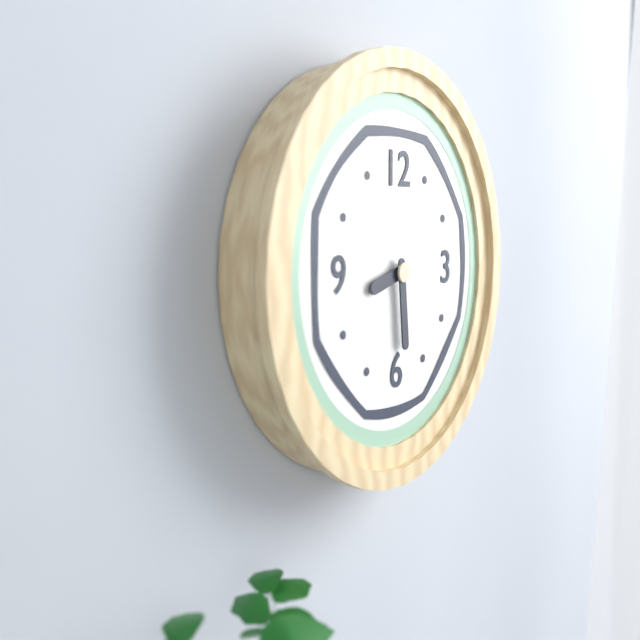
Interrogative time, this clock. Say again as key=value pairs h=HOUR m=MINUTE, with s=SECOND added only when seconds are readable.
h=8 m=29
